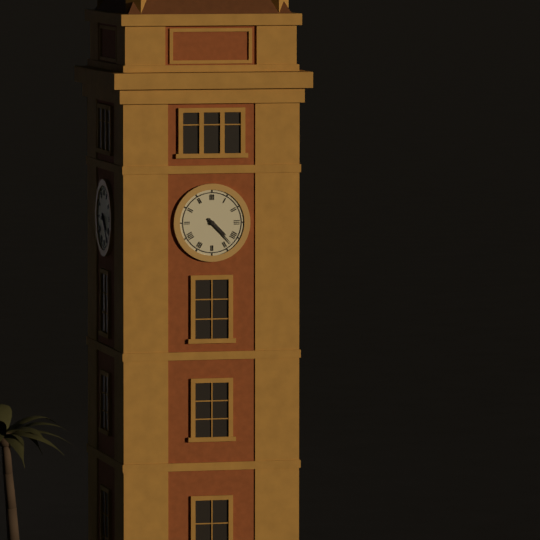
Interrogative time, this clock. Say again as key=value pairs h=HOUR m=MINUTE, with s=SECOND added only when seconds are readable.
h=4 m=23
